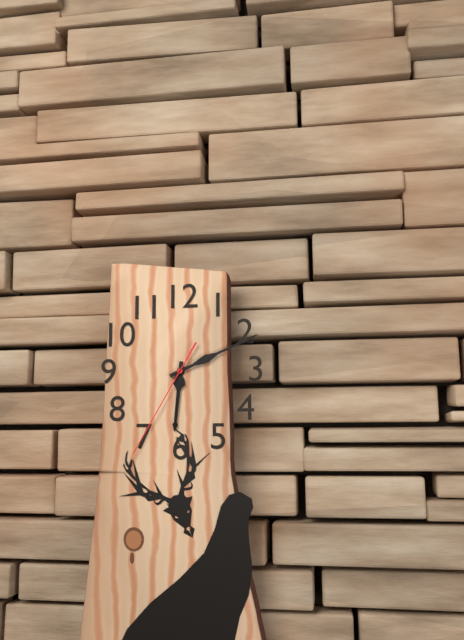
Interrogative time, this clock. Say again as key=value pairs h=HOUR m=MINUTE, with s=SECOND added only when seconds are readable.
h=6 m=11 s=35
